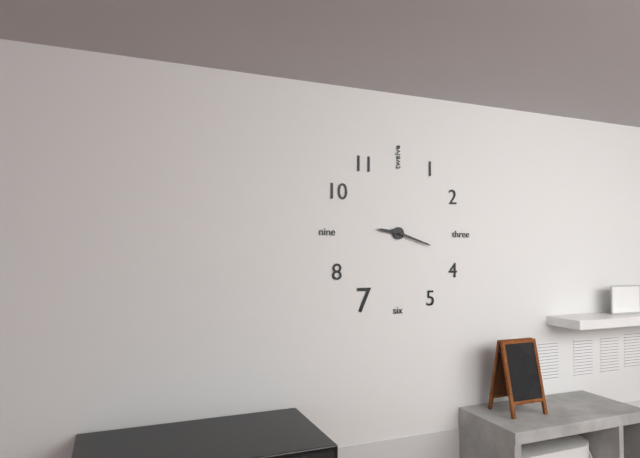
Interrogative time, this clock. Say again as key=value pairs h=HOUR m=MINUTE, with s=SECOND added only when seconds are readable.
h=9 m=18
